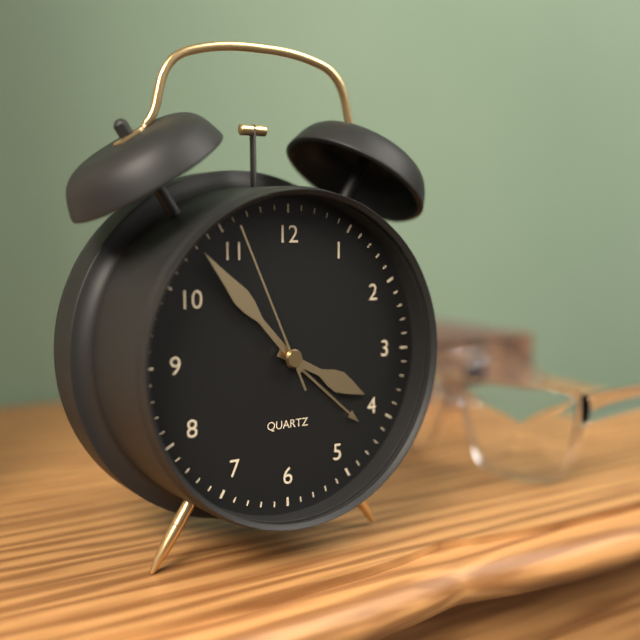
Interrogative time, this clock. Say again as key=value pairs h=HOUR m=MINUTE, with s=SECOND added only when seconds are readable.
h=3 m=53 s=56
